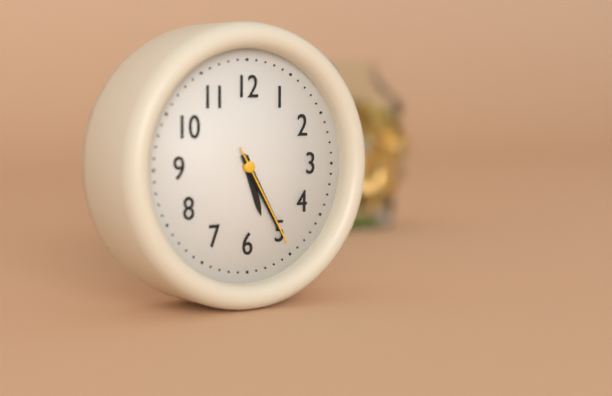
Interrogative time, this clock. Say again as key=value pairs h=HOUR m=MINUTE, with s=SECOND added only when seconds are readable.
h=5 m=25 s=25
